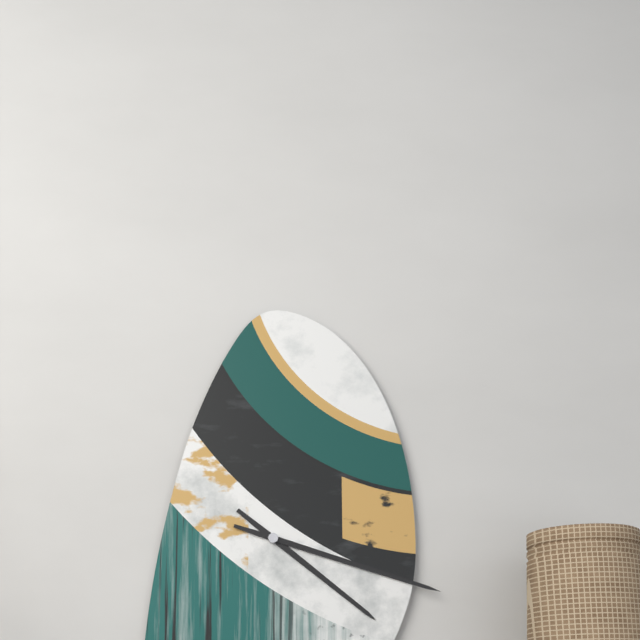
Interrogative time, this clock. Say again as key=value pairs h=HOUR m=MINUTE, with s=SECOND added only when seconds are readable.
h=4 m=18
